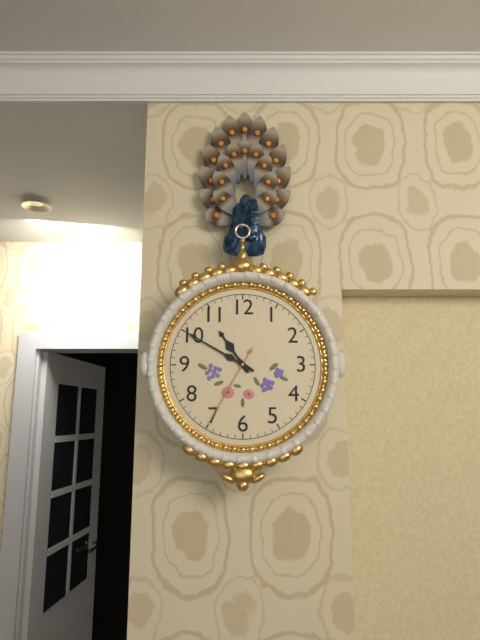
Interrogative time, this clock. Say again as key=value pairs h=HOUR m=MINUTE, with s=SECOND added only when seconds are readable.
h=10 m=50 s=35
